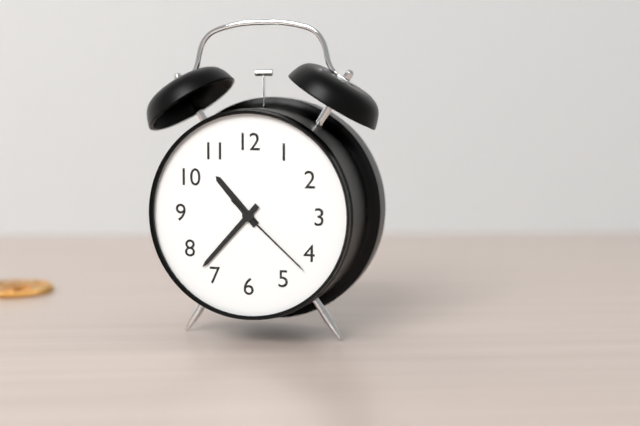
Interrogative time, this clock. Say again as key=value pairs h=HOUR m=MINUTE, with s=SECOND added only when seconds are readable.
h=10 m=37 s=22
